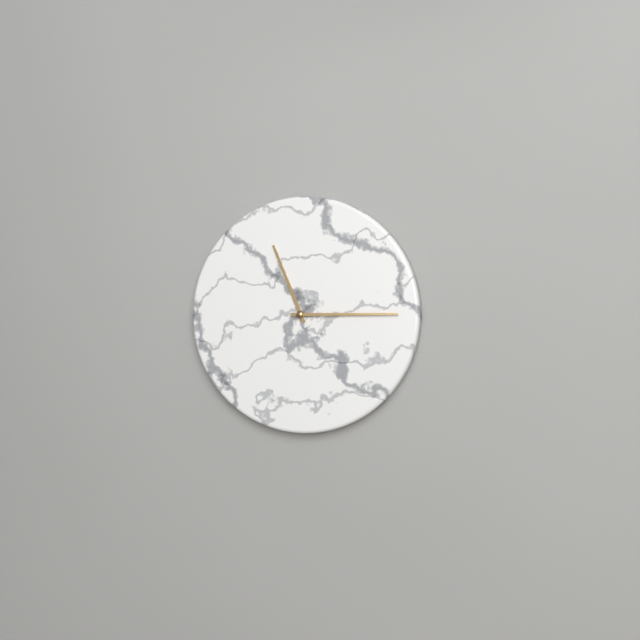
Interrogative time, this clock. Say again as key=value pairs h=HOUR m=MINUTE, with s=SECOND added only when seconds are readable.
h=11 m=15
